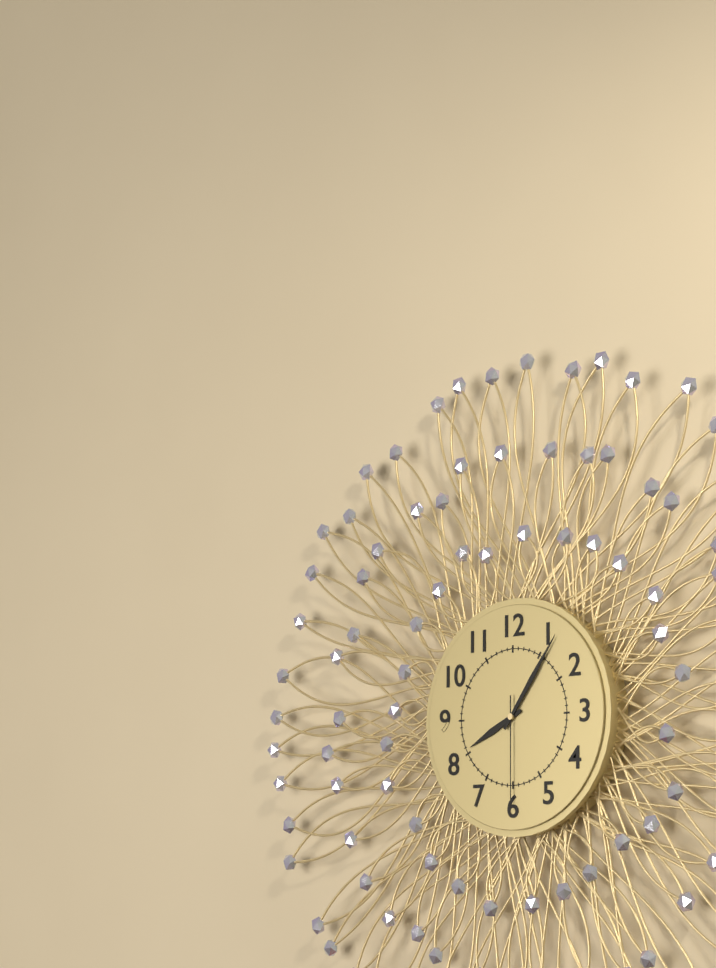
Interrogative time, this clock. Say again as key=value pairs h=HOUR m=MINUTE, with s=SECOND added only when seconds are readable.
h=8 m=6 s=30
